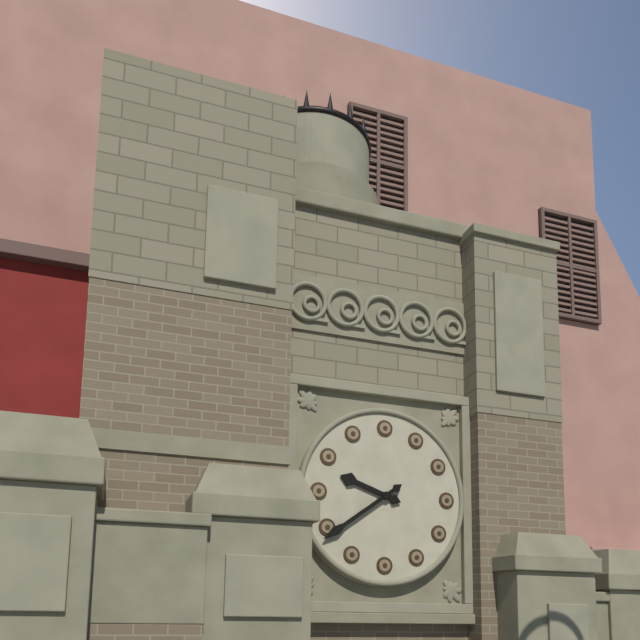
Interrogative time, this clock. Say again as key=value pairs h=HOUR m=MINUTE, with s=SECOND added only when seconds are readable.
h=9 m=39
